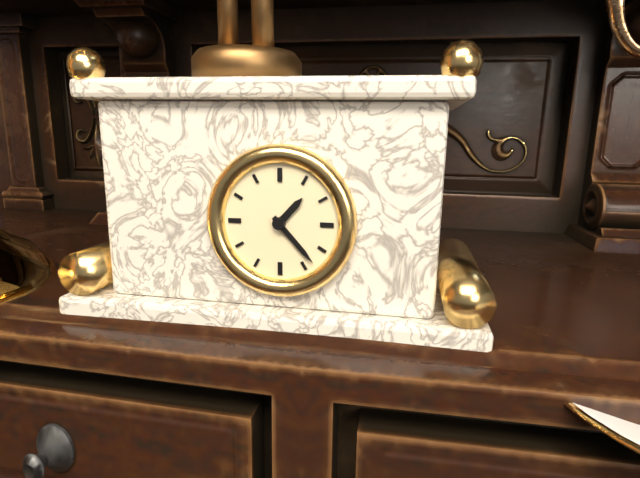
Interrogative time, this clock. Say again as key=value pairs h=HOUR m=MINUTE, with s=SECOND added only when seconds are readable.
h=1 m=23
